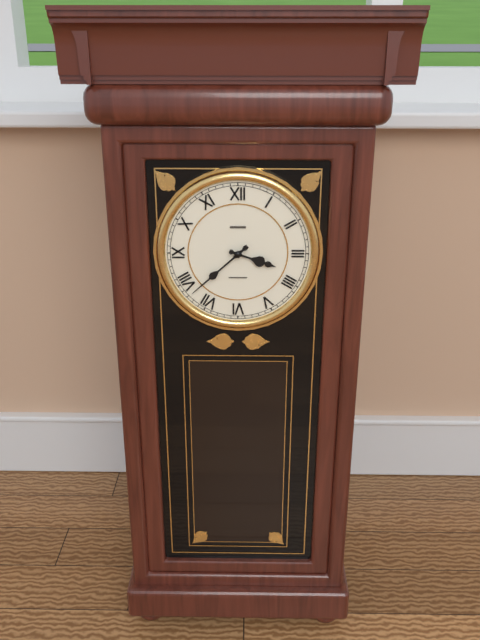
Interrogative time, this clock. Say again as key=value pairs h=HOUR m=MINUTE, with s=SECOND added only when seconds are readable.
h=3 m=38
